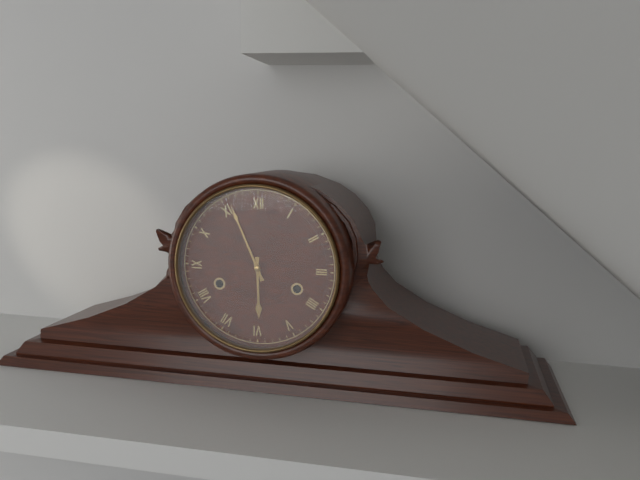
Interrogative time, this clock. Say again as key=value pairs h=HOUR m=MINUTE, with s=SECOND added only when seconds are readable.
h=5 m=56
